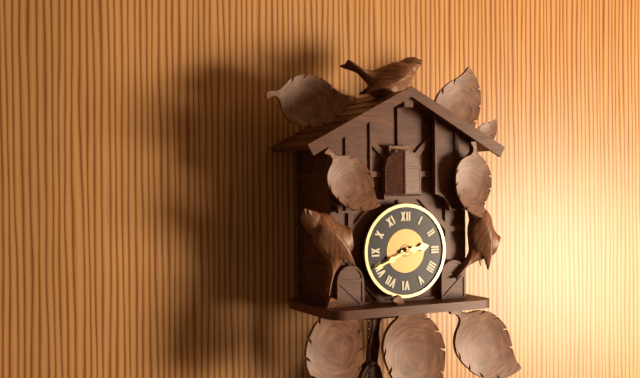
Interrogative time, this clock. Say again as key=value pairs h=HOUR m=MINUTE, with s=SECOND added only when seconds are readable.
h=2 m=41
